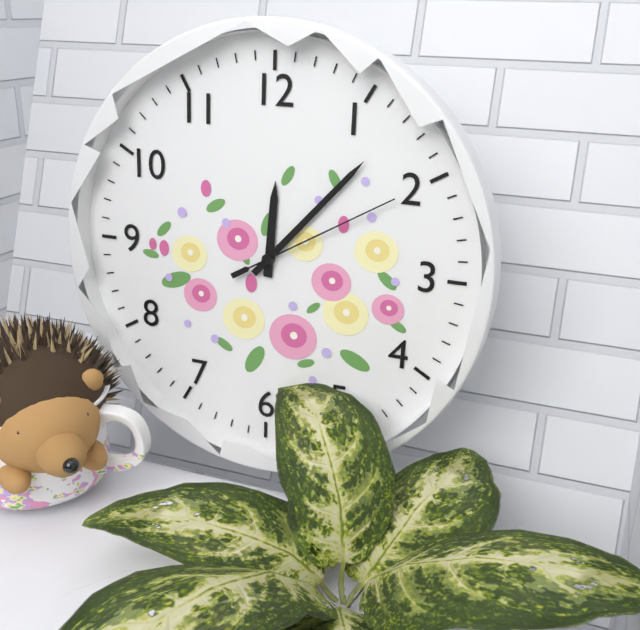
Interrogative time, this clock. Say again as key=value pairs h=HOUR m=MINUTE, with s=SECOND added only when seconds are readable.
h=12 m=7 s=10
